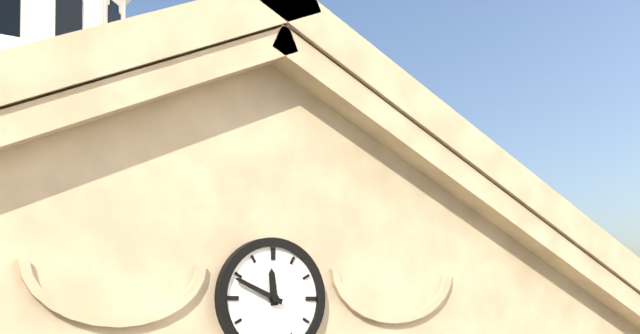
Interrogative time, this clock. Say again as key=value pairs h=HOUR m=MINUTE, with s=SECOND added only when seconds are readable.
h=11 m=49
